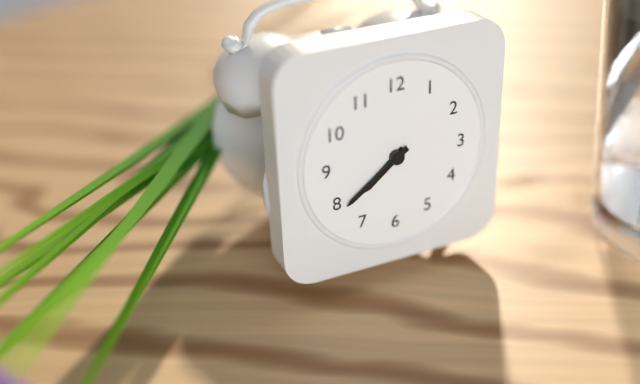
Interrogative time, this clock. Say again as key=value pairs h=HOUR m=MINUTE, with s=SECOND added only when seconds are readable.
h=7 m=39
